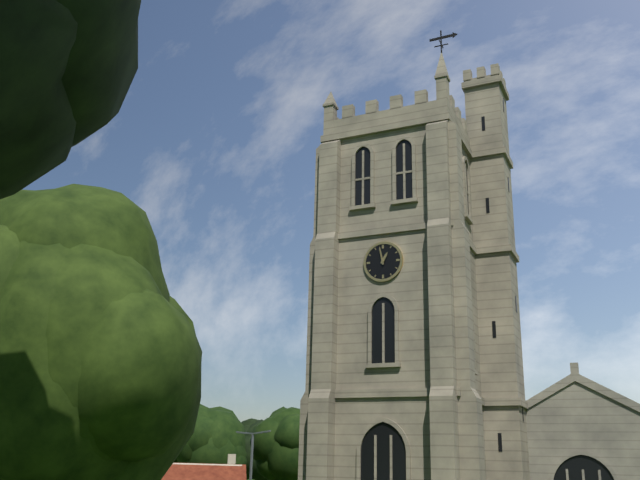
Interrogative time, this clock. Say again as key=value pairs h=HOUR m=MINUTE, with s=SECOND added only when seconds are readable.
h=12 m=58
